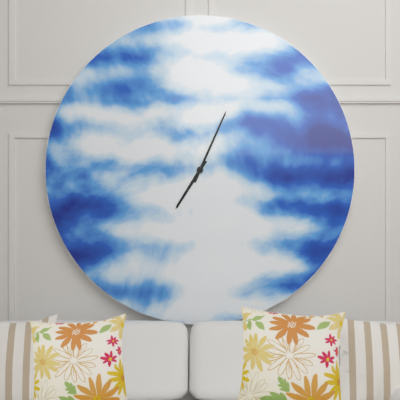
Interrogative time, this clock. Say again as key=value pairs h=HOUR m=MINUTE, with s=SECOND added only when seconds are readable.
h=7 m=4
